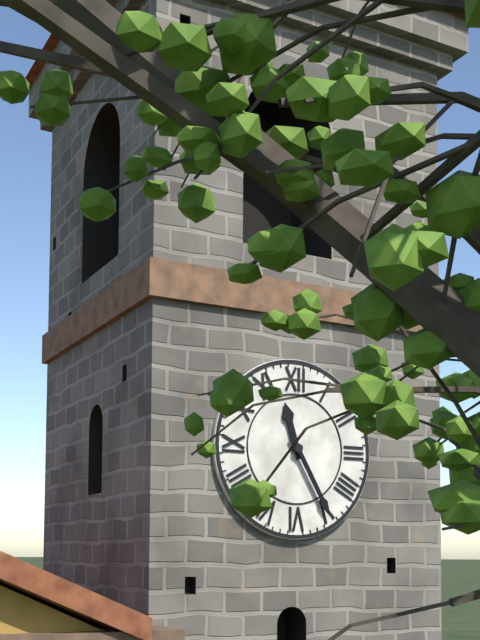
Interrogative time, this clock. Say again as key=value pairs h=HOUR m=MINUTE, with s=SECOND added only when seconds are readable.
h=11 m=25
